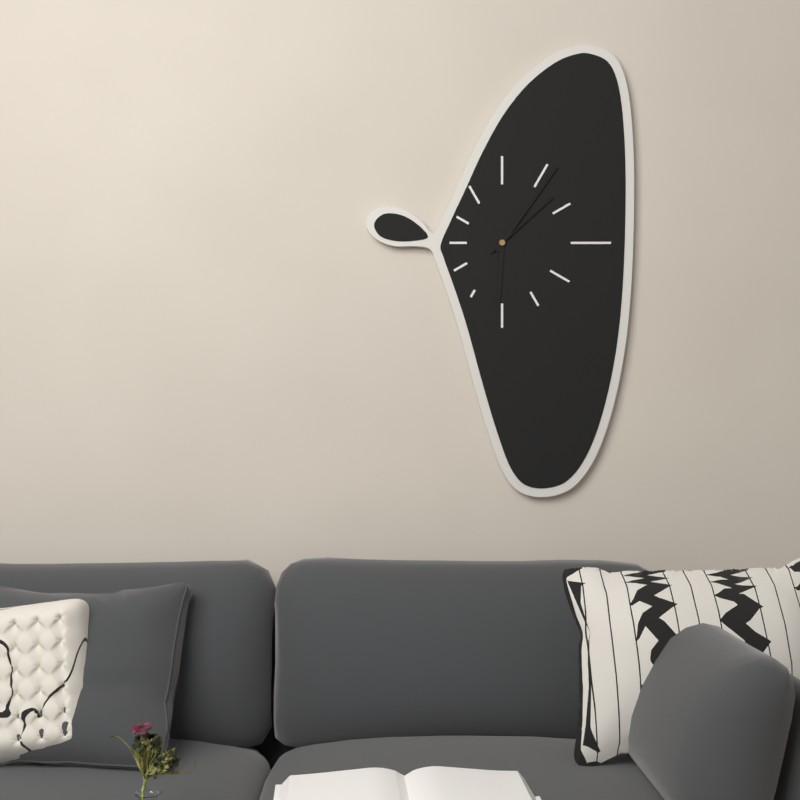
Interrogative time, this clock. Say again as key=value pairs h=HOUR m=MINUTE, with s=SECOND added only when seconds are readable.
h=6 m=6 s=8
